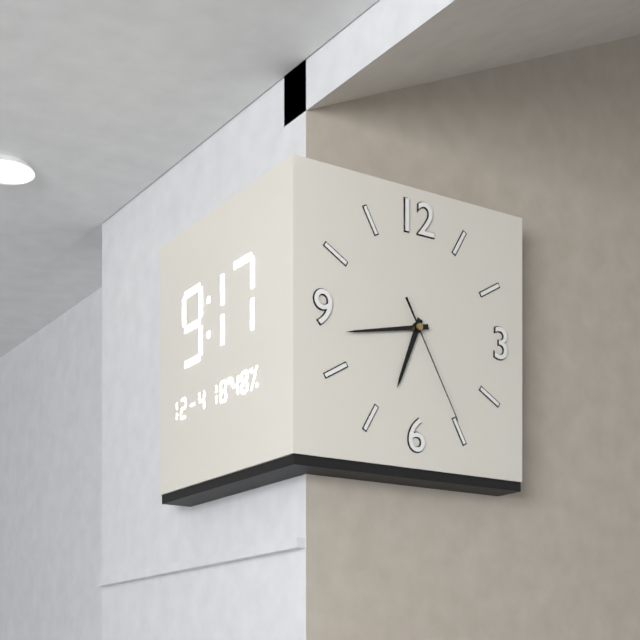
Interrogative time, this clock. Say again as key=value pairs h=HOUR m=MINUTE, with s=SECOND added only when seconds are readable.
h=6 m=43 s=25
